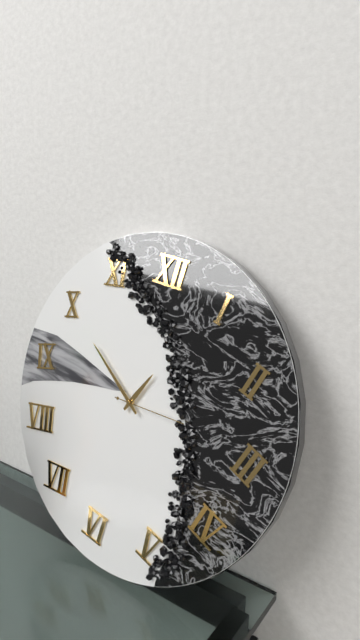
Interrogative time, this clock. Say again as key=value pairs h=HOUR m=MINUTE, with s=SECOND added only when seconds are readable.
h=12 m=50 s=14
